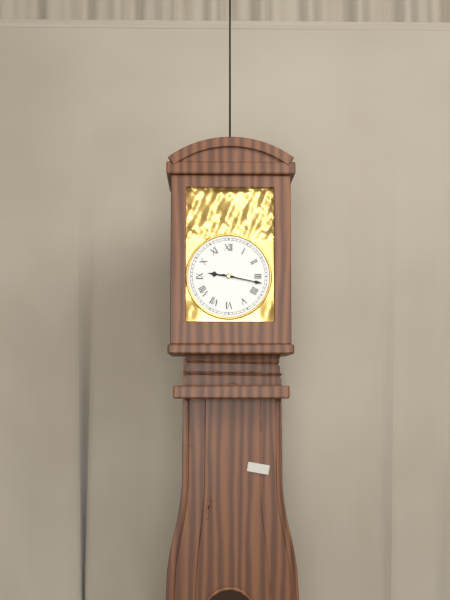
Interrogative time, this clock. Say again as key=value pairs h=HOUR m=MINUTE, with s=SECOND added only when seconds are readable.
h=9 m=17
